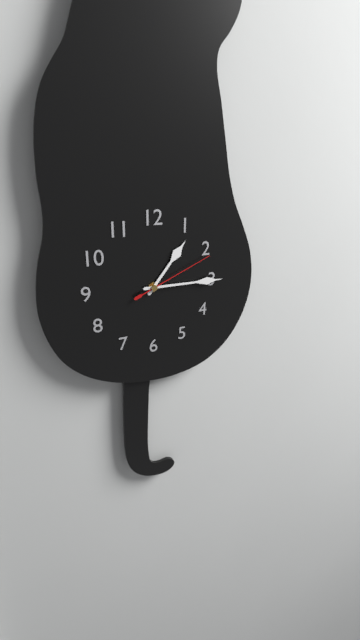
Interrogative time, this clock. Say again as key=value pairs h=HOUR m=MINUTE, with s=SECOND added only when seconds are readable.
h=1 m=15 s=11
